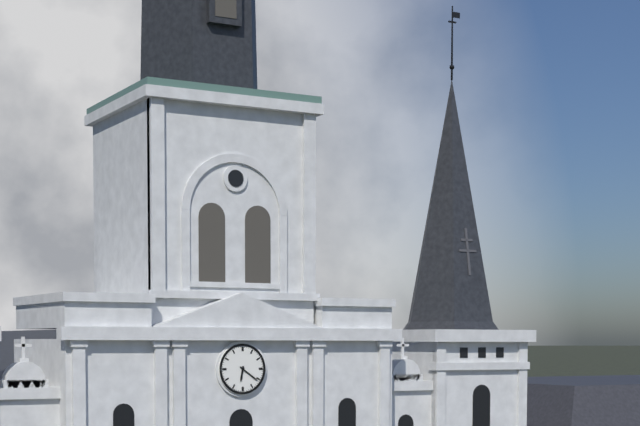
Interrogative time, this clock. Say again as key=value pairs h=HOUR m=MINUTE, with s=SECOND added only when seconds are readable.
h=6 m=21
